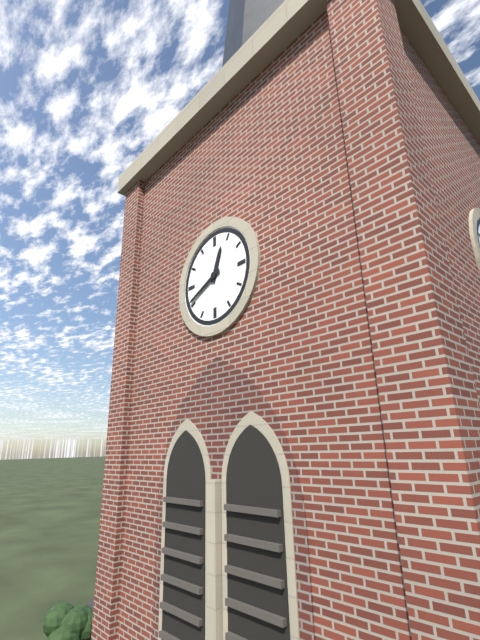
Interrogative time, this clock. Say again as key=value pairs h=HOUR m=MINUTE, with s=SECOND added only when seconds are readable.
h=12 m=41
